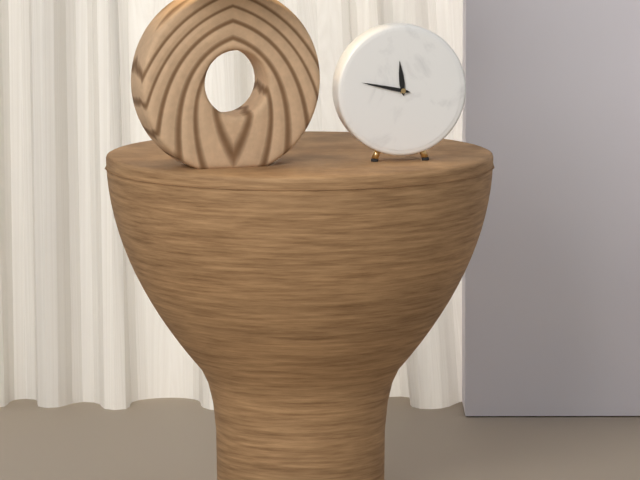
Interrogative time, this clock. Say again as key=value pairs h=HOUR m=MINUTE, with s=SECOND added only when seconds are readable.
h=11 m=47
